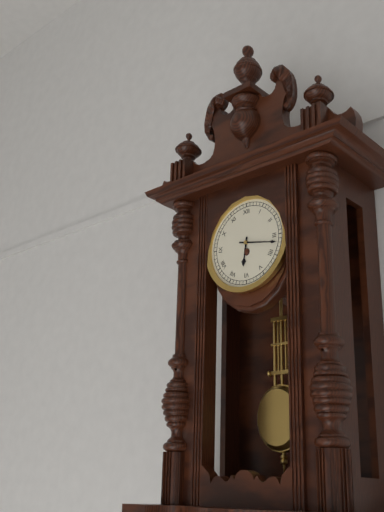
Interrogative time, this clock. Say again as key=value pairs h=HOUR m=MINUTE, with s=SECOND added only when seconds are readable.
h=6 m=17
